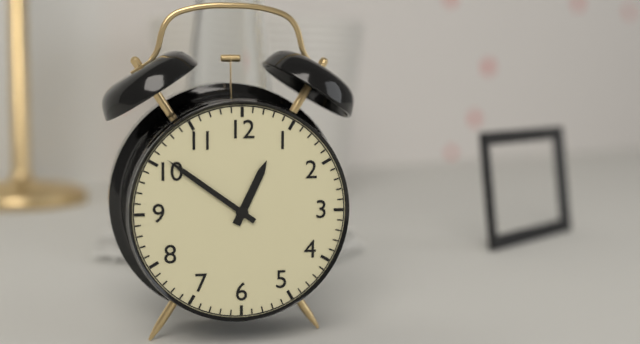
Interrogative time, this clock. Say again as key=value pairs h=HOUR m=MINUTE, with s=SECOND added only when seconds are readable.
h=12 m=51
